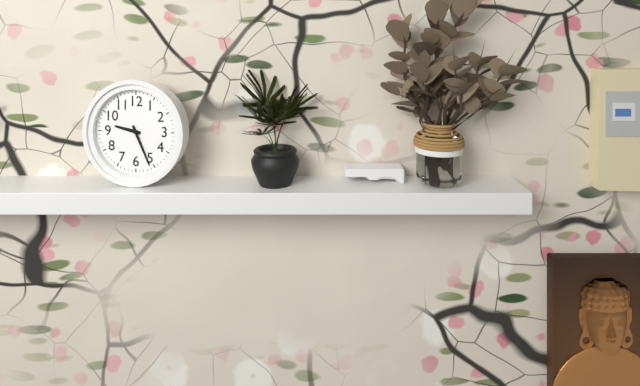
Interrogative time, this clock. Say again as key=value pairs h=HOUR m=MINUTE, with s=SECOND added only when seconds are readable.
h=9 m=26
